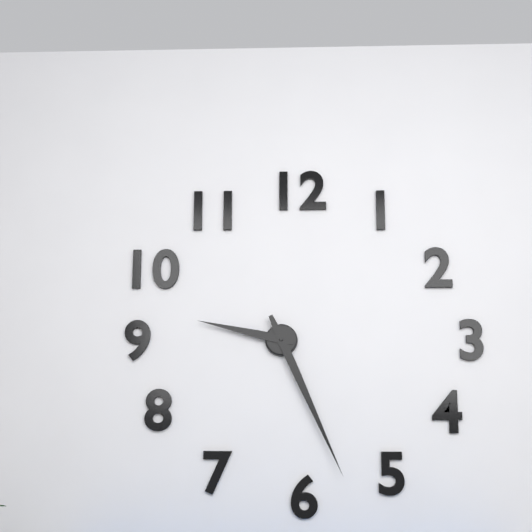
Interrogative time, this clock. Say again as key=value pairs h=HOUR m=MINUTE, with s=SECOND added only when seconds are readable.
h=9 m=26
